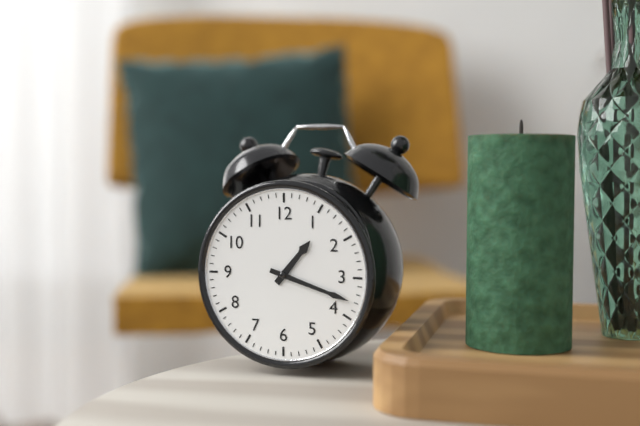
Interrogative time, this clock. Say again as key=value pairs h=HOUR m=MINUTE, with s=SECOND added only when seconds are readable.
h=1 m=18
